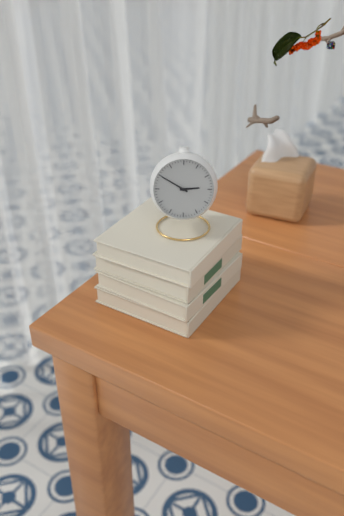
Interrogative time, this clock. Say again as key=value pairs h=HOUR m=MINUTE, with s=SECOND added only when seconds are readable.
h=2 m=50
